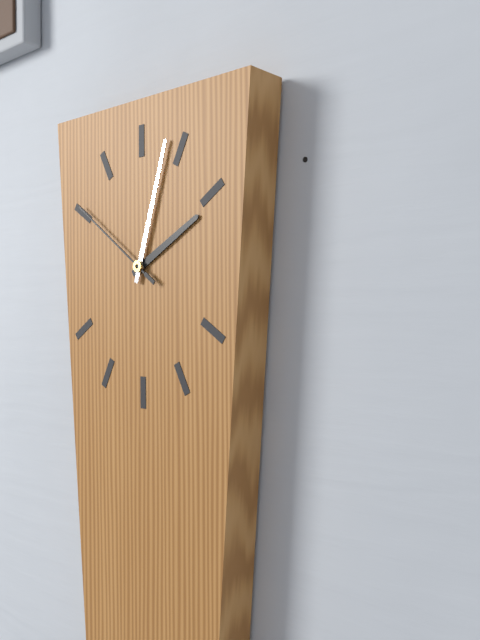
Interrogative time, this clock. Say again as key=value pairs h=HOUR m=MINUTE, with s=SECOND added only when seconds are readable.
h=2 m=3 s=51
